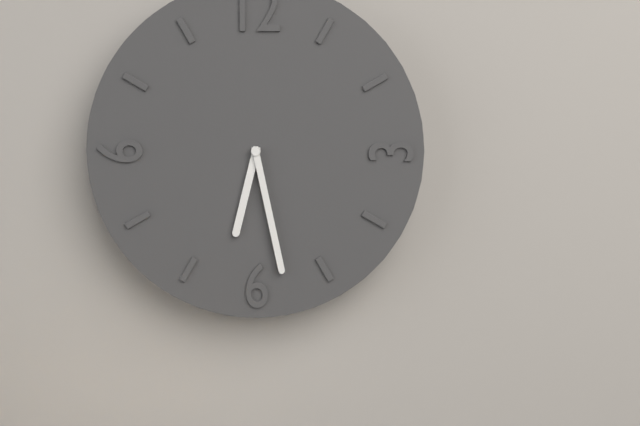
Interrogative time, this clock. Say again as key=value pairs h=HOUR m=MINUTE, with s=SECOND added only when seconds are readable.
h=6 m=28
